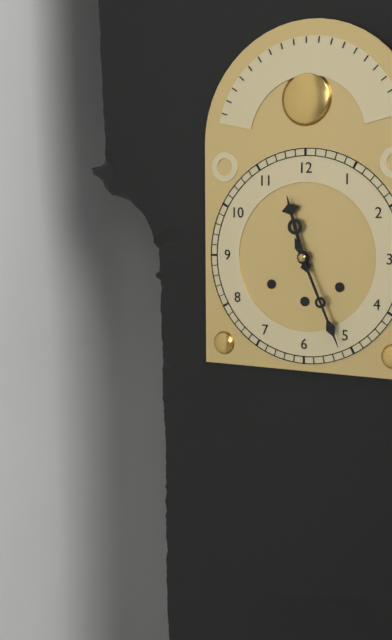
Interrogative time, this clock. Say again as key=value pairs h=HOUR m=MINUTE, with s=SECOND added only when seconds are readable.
h=11 m=26
